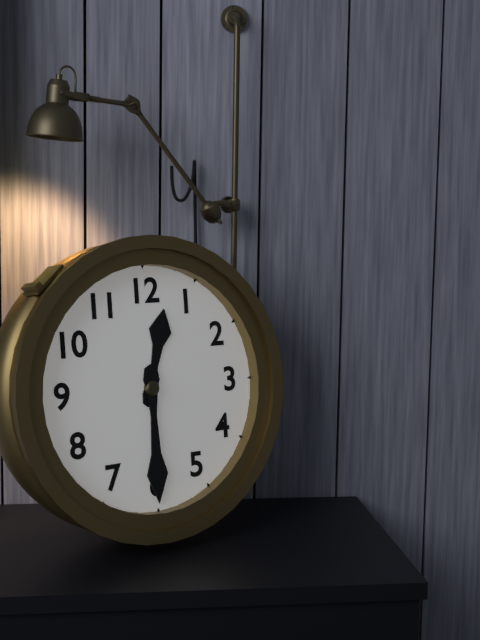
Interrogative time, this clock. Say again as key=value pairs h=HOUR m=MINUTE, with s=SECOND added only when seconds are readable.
h=12 m=30
